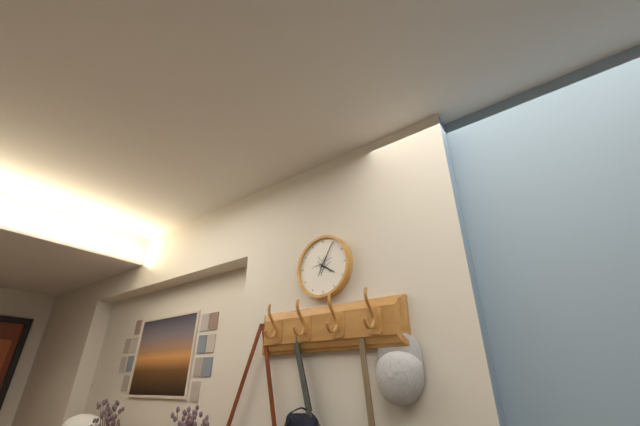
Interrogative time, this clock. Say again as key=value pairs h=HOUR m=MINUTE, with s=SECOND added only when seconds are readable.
h=4 m=5
